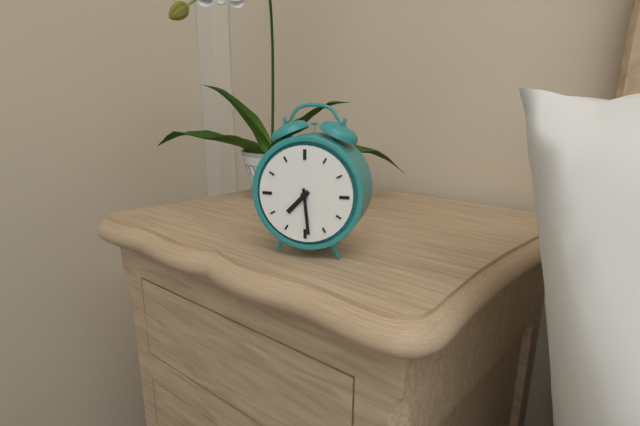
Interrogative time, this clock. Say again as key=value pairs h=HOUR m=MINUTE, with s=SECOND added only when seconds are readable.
h=7 m=29
